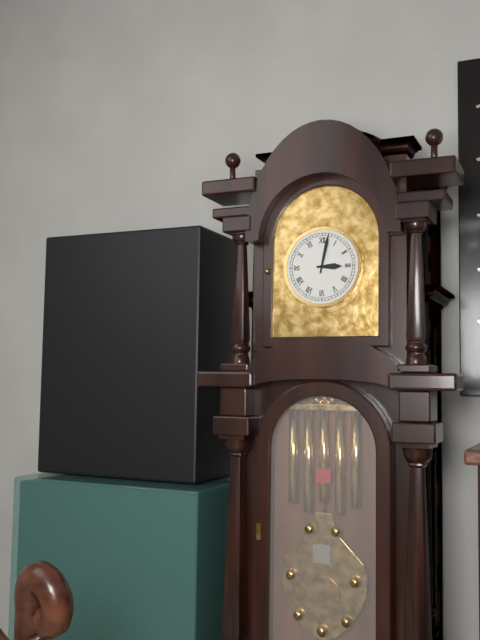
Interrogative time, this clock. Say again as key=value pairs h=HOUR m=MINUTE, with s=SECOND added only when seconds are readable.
h=3 m=2
